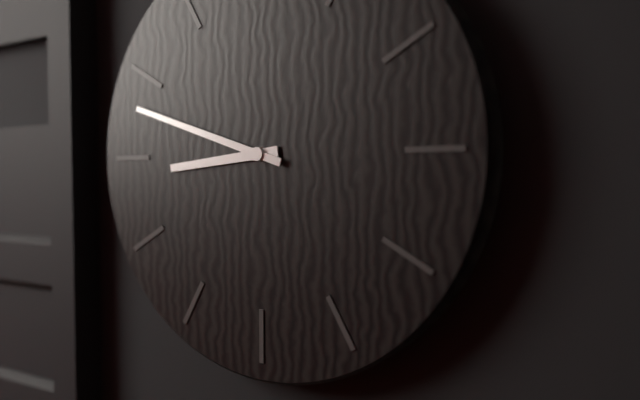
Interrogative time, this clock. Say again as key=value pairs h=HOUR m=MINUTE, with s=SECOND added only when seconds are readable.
h=8 m=48
